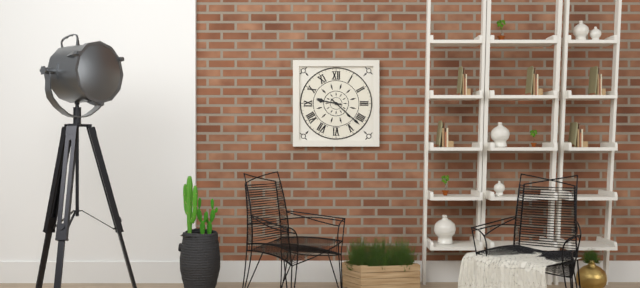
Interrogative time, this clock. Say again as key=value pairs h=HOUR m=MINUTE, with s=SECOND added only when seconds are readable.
h=9 m=22
